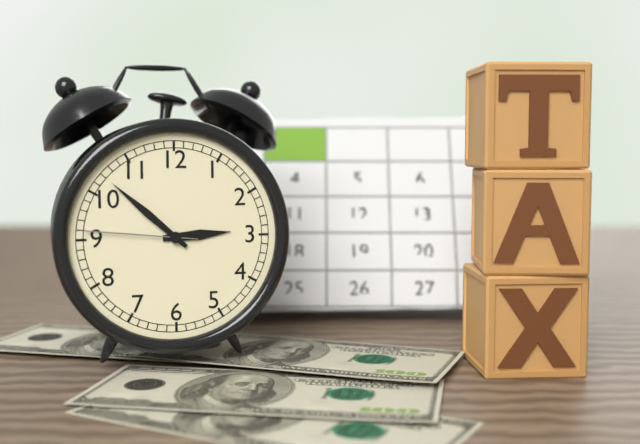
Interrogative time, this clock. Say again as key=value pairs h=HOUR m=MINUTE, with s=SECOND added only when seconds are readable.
h=2 m=52 s=46
